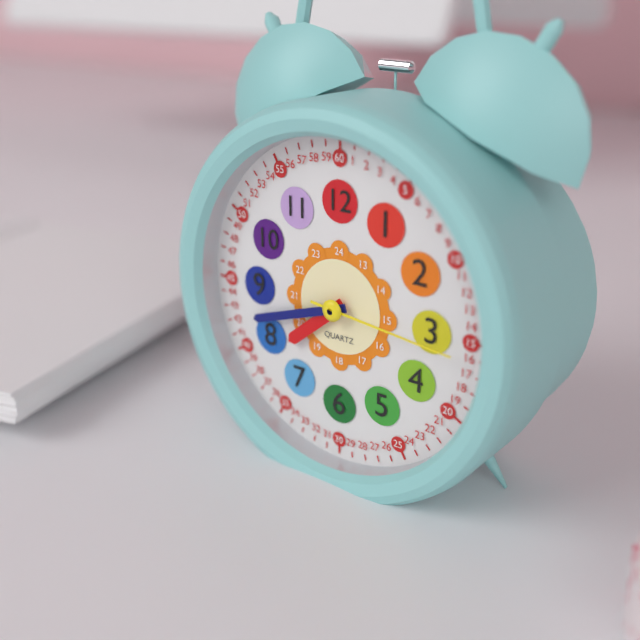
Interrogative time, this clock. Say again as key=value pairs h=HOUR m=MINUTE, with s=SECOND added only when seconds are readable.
h=7 m=42 s=16
